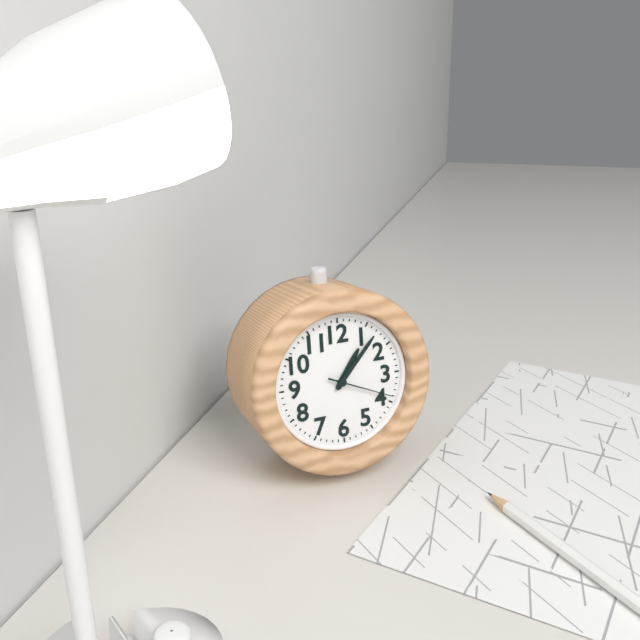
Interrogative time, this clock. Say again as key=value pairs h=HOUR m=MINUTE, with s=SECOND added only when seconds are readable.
h=1 m=7 s=19
